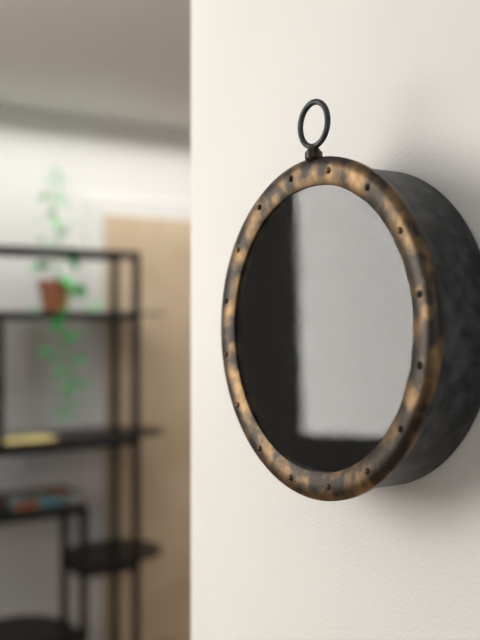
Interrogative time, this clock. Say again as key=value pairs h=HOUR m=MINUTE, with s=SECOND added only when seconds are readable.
h=6 m=25
